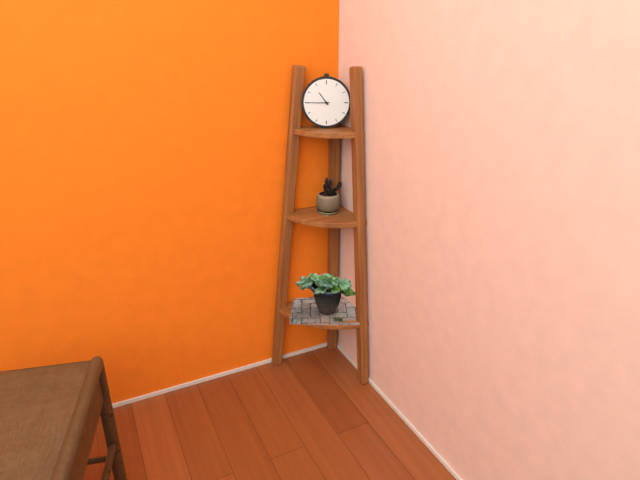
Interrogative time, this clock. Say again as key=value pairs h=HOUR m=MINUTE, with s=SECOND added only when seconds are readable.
h=10 m=45
